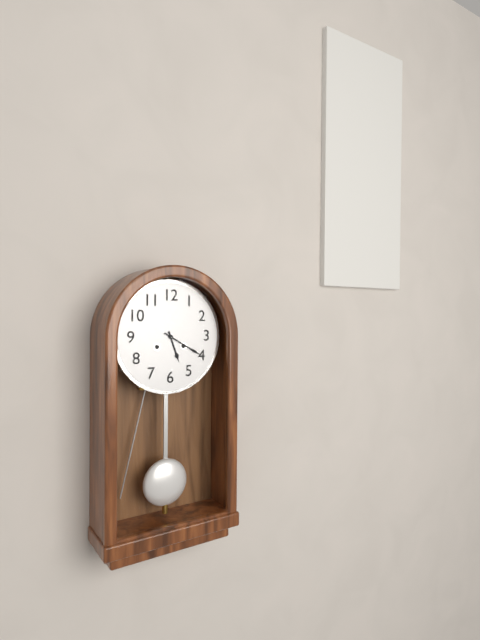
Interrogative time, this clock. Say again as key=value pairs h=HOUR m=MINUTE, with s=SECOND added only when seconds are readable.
h=5 m=20
